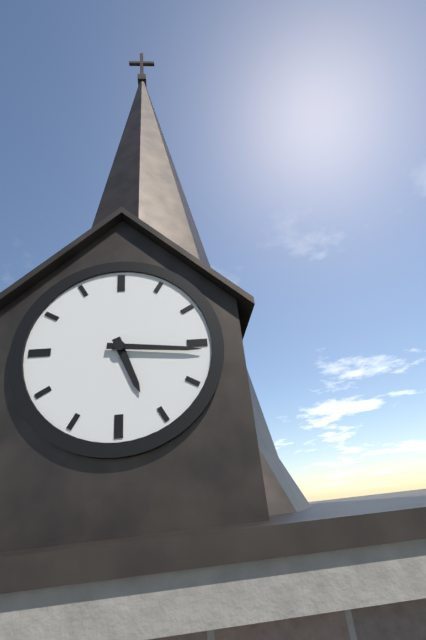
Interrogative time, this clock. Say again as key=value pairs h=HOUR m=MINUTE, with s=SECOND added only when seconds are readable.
h=5 m=16
